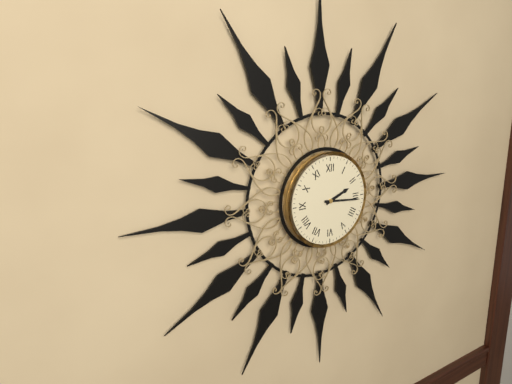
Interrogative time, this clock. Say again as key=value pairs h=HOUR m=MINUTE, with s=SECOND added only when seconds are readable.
h=2 m=16
